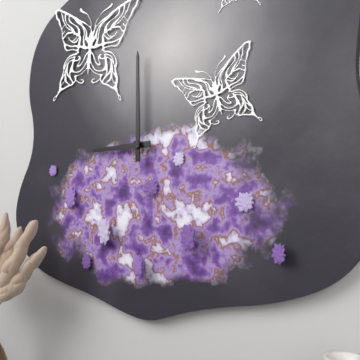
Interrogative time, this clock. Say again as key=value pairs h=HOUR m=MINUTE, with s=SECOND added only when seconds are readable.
h=9 m=0
